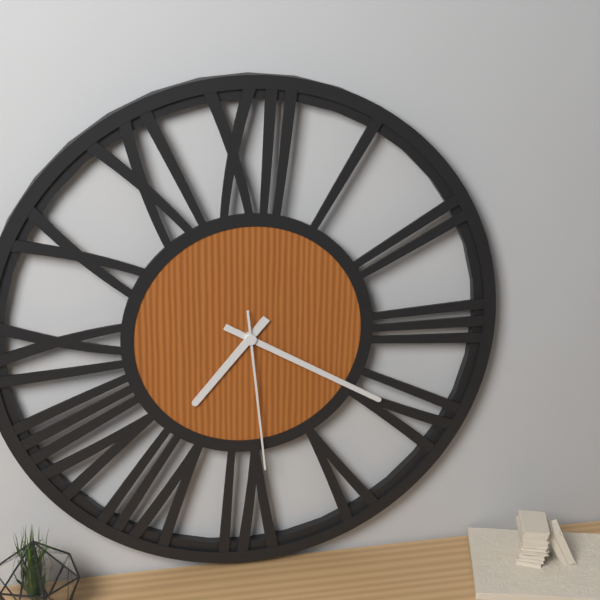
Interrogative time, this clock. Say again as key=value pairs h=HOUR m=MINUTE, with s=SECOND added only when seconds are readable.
h=7 m=20 s=29
